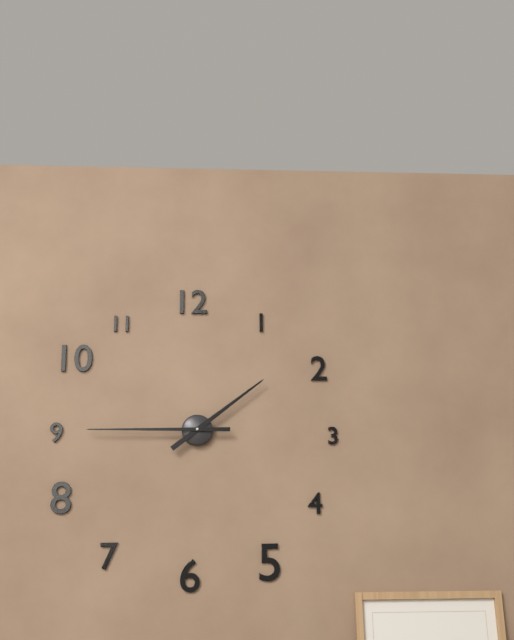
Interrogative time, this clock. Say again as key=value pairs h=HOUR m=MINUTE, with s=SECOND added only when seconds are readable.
h=1 m=45
